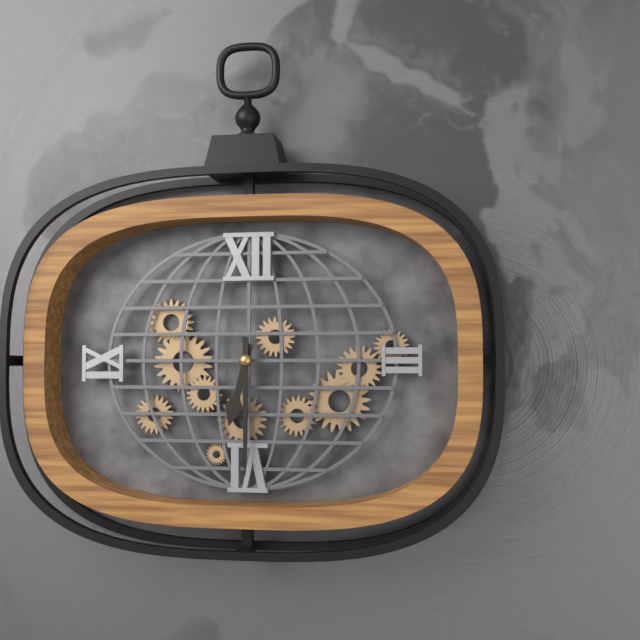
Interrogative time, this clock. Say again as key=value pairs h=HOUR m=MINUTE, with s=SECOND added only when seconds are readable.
h=6 m=30
